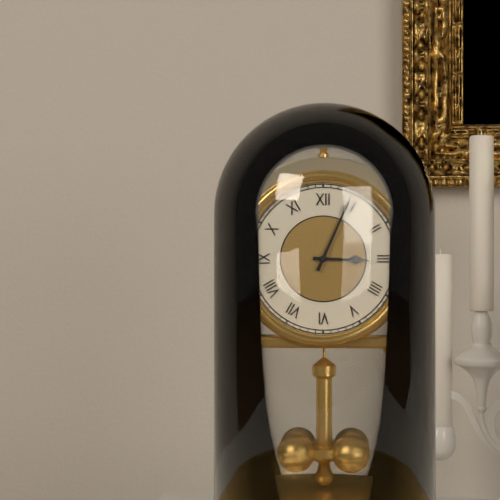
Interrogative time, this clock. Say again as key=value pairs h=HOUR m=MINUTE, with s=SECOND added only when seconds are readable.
h=3 m=4
